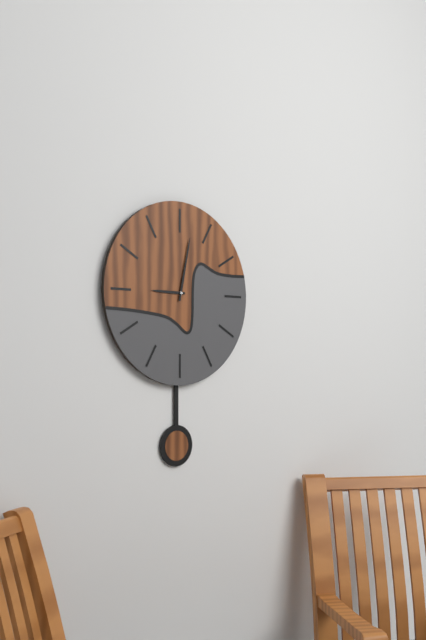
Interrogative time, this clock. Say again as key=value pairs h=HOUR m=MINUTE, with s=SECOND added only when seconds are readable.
h=9 m=2
